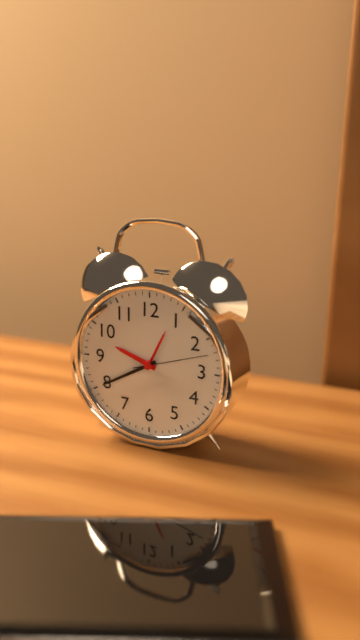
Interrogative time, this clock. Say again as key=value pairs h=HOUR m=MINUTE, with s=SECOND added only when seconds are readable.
h=9 m=40 s=12
